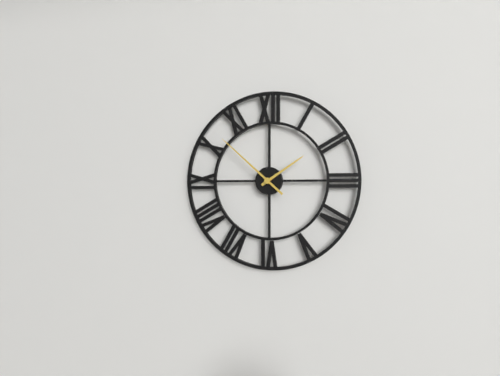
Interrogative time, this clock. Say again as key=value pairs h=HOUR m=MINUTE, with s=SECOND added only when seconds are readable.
h=1 m=52
